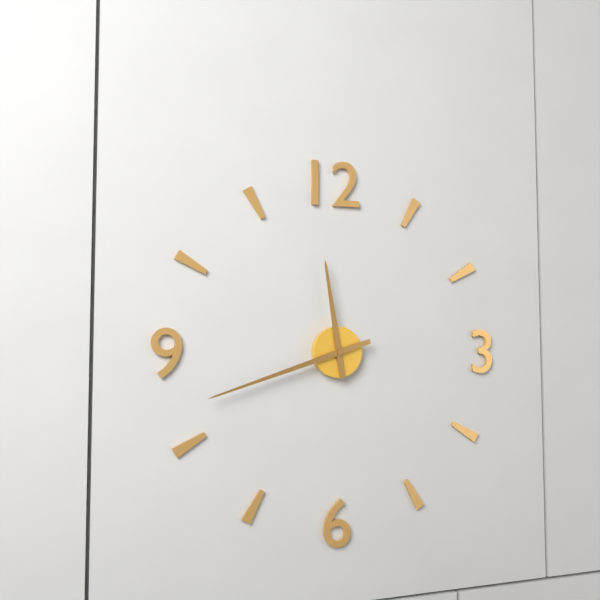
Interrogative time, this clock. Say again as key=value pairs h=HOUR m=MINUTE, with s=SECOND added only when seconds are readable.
h=11 m=42
